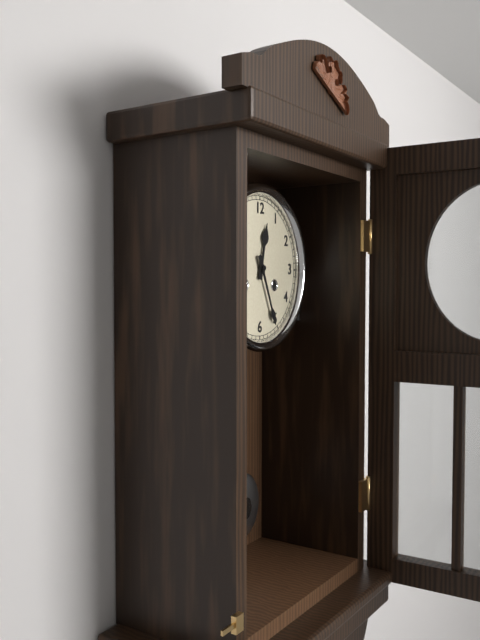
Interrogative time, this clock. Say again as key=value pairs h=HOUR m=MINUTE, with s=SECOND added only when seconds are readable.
h=12 m=26
